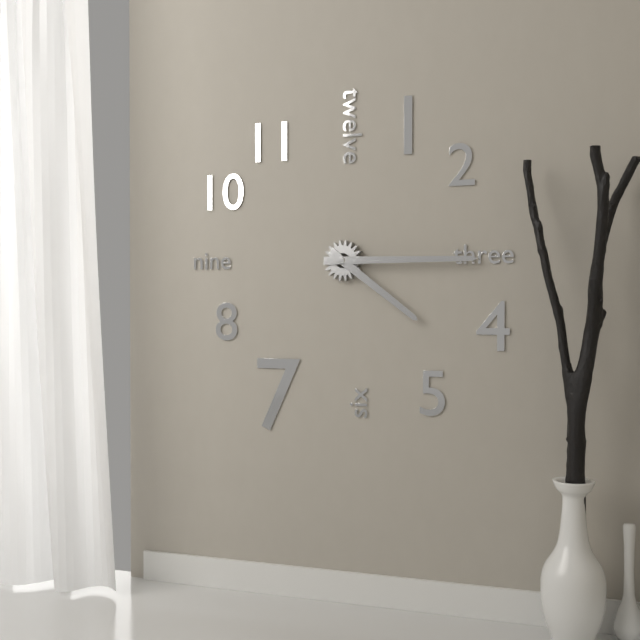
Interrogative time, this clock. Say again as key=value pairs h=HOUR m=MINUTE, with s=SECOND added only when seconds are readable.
h=4 m=15
